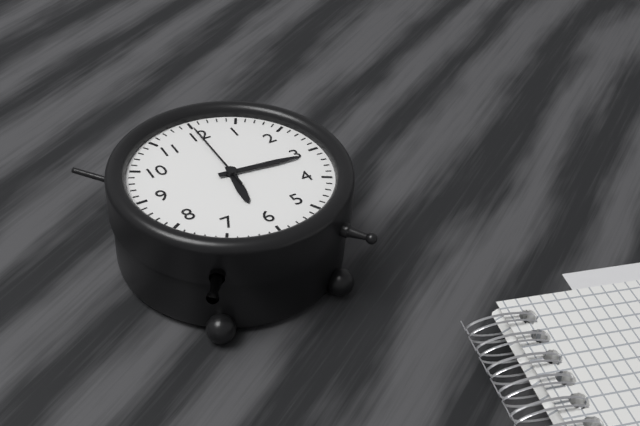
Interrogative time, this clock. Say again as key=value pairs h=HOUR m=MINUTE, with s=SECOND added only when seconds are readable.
h=6 m=16 s=0
